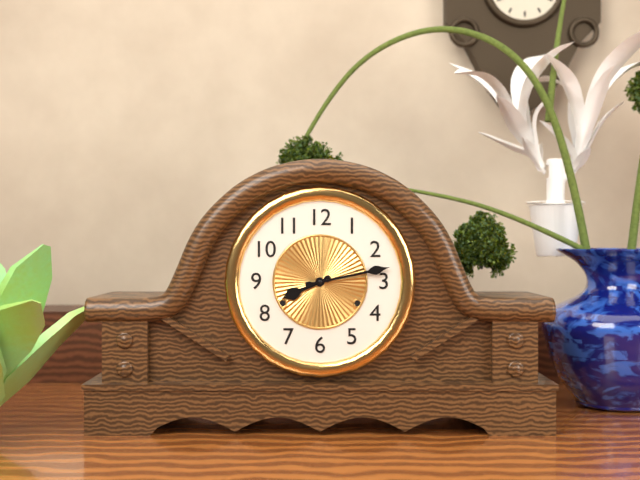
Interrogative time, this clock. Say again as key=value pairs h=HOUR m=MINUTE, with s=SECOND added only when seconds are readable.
h=8 m=13
